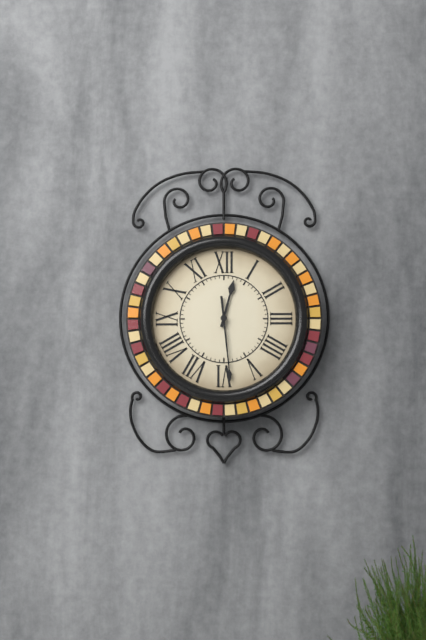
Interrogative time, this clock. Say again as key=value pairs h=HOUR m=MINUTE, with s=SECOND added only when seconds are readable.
h=12 m=29
